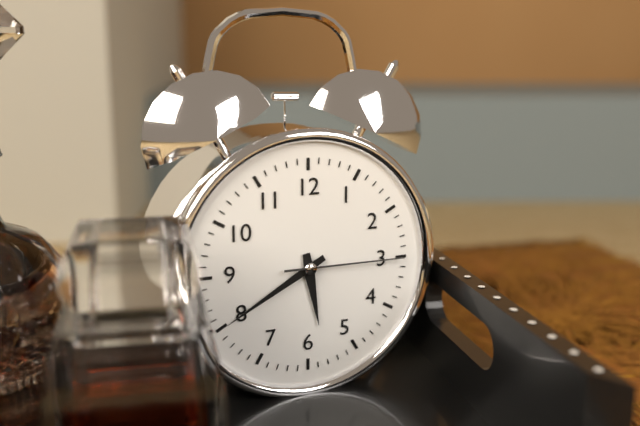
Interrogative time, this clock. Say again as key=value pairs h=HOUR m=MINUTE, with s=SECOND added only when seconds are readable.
h=5 m=40 s=15
